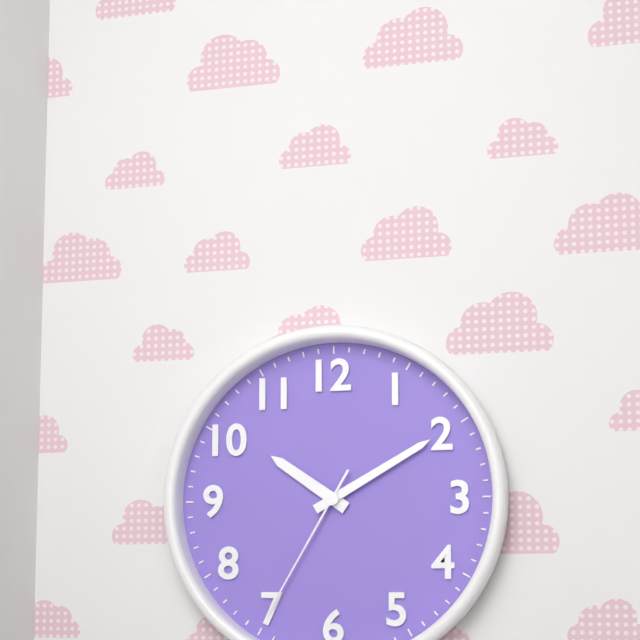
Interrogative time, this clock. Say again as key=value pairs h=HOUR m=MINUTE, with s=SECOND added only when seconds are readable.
h=10 m=10 s=35
